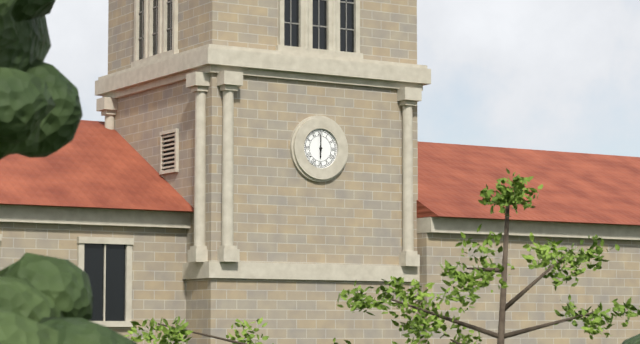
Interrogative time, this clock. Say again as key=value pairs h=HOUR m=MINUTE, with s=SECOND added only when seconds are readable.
h=6 m=0
